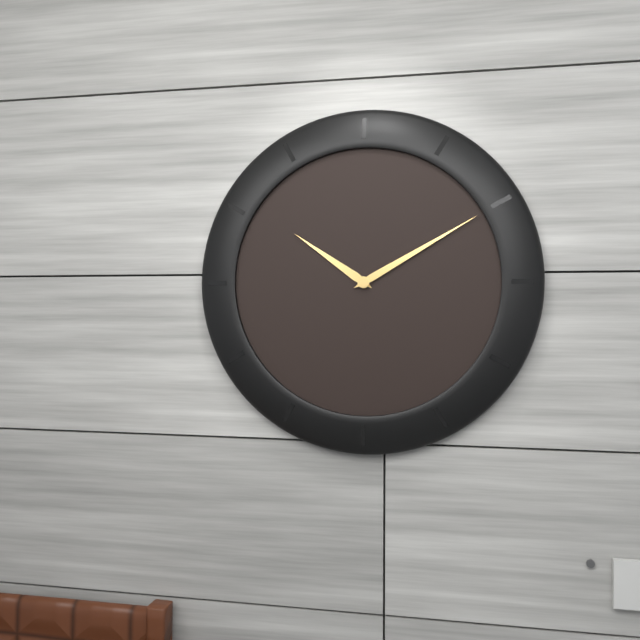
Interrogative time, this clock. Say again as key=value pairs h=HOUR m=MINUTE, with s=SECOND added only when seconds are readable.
h=10 m=10
